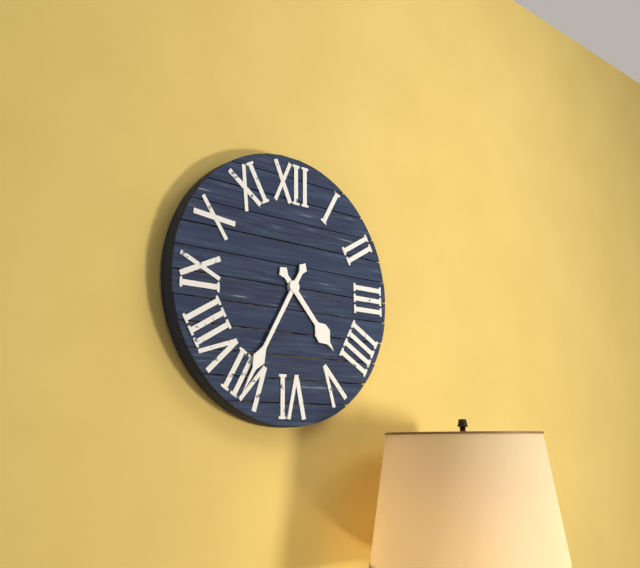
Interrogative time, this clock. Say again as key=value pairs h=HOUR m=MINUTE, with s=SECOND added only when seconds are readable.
h=4 m=35
